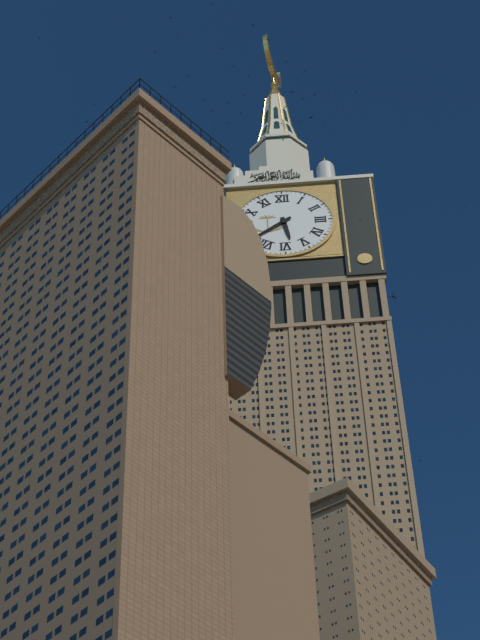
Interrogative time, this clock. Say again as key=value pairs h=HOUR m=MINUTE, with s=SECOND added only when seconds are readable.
h=5 m=39
